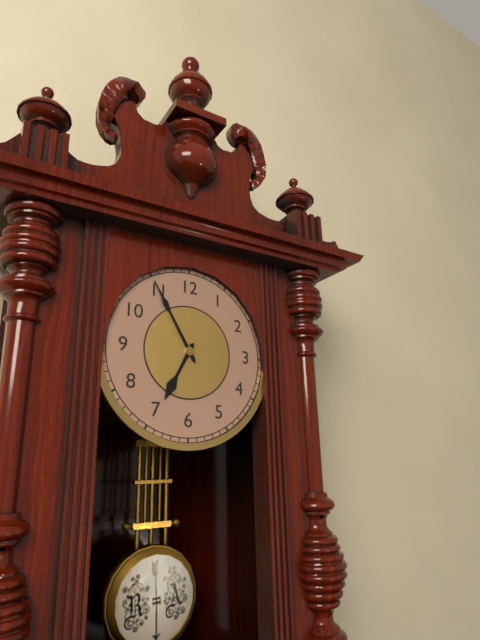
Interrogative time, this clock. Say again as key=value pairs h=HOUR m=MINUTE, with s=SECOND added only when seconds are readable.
h=6 m=55
